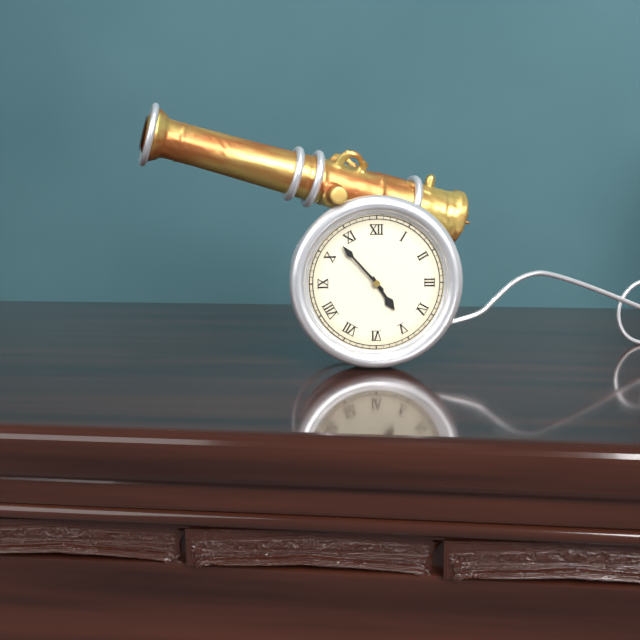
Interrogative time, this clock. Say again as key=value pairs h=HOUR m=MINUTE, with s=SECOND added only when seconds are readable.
h=4 m=53
